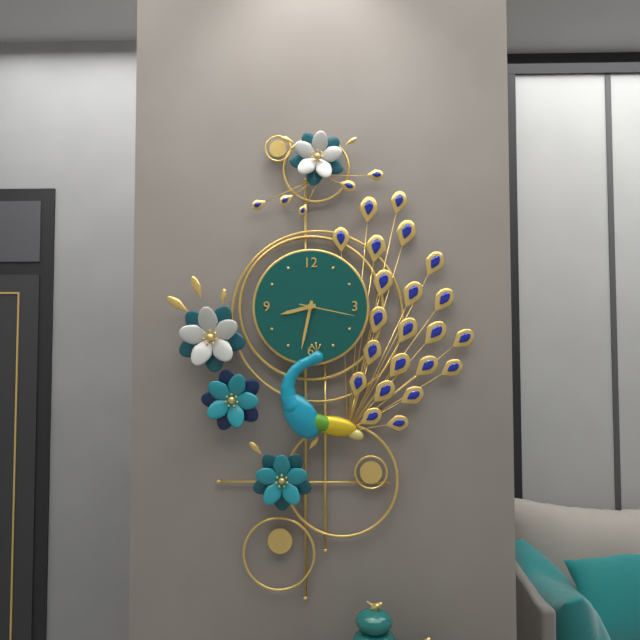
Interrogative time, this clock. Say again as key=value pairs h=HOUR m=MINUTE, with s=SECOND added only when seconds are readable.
h=8 m=32 s=17
